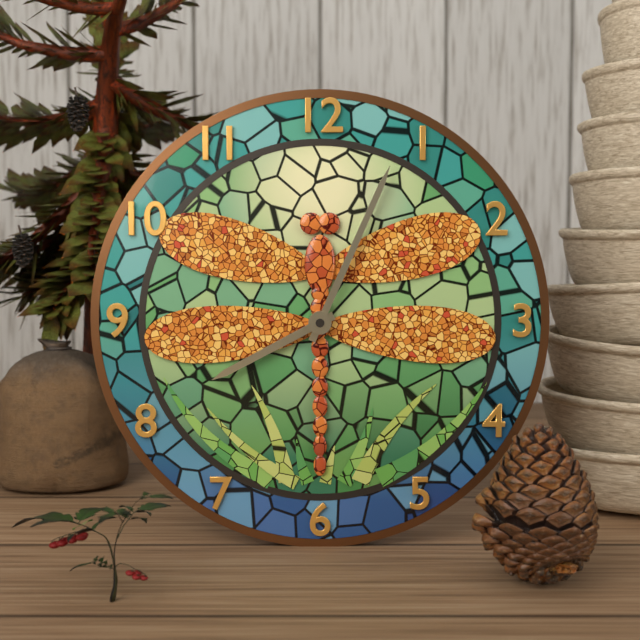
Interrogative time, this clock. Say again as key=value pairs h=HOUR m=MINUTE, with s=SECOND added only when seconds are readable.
h=8 m=4
